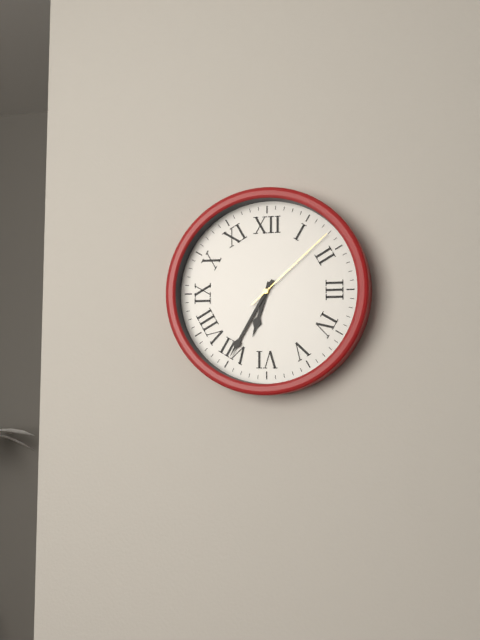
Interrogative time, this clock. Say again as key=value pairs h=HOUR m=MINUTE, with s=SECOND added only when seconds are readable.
h=6 m=35 s=8
